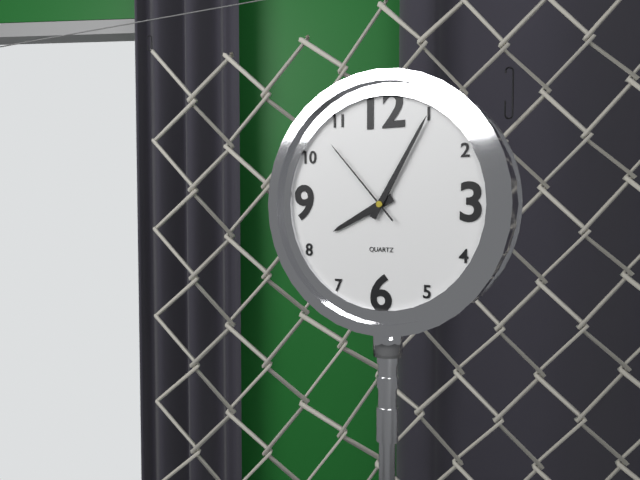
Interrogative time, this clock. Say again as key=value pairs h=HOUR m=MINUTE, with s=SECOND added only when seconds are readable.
h=8 m=5 s=53
